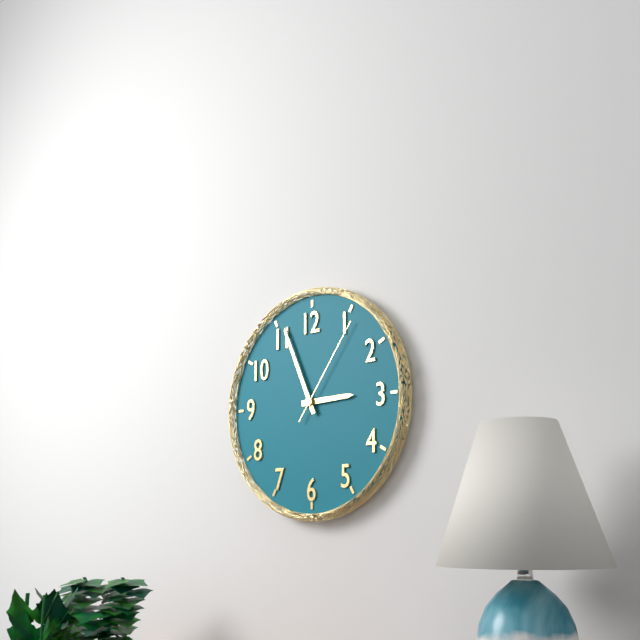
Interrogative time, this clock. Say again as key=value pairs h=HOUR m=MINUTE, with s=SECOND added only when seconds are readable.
h=2 m=56 s=6
